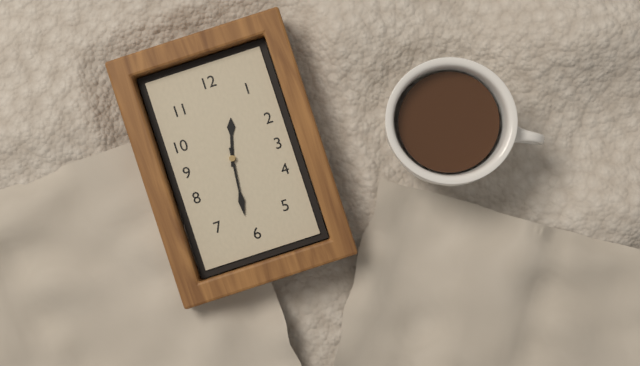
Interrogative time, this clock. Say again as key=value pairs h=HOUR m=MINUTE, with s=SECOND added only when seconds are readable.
h=12 m=31
